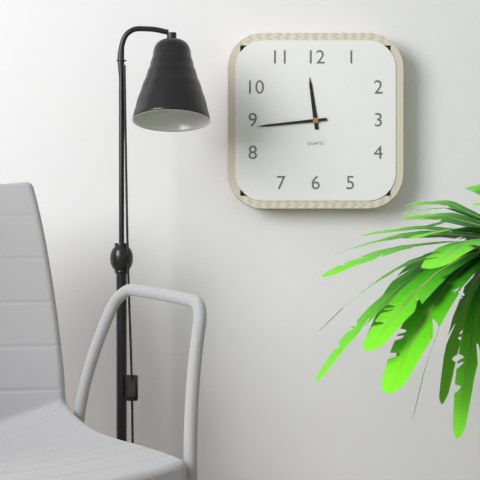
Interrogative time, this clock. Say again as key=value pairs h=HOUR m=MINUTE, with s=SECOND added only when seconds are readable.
h=11 m=44
